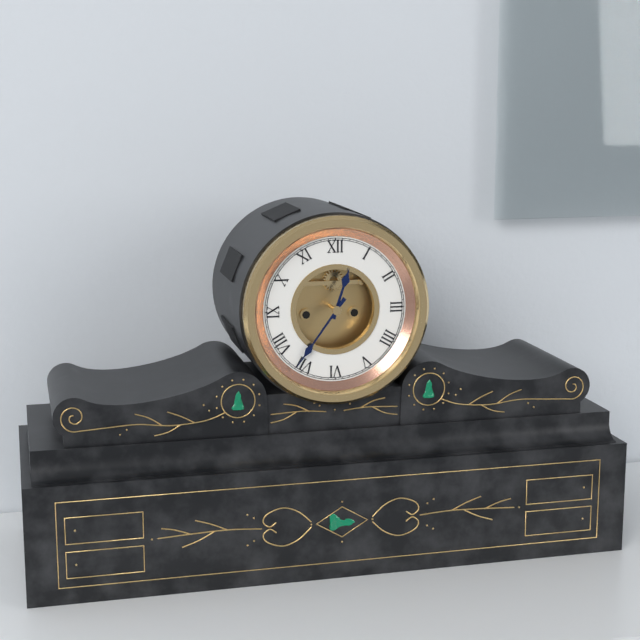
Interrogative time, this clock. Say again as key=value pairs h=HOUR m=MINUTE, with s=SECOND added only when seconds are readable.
h=12 m=36
